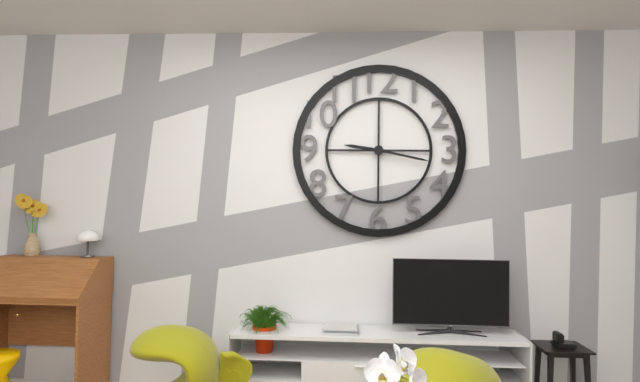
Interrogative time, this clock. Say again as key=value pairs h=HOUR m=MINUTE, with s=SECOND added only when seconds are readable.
h=9 m=17
